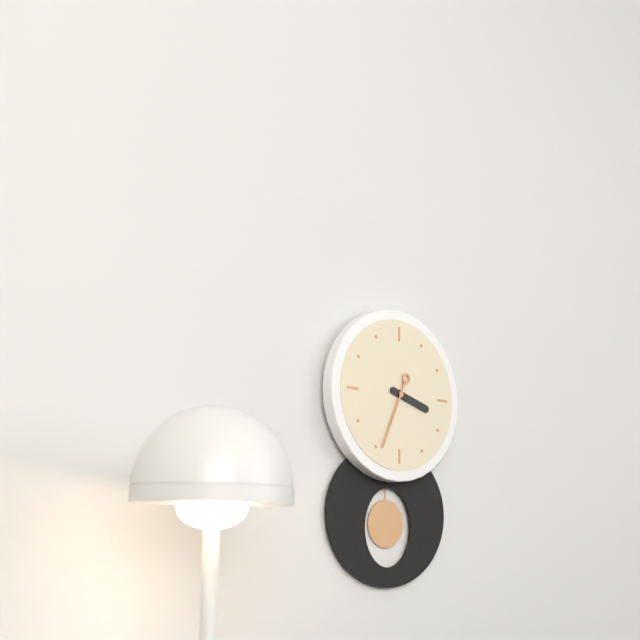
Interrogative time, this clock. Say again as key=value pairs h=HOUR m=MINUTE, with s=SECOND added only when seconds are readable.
h=3 m=34
